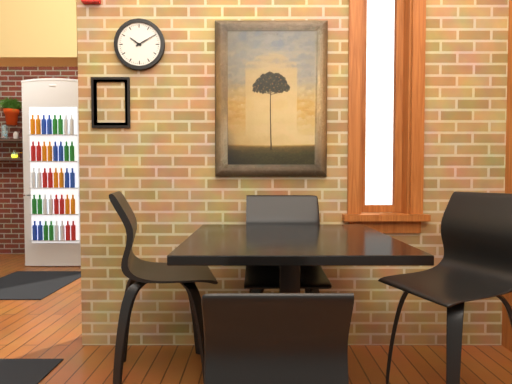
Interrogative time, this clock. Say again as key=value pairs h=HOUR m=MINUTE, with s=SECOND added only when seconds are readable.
h=10 m=10
